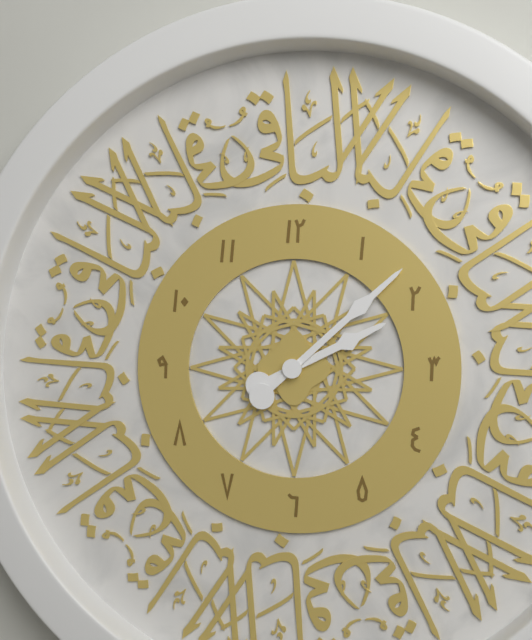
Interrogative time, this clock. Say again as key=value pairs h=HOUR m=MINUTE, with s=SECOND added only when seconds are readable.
h=2 m=8
